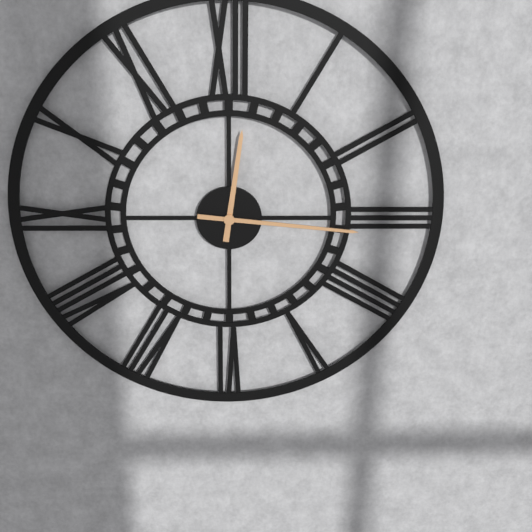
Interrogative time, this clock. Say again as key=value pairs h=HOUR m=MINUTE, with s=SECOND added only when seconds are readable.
h=12 m=16
